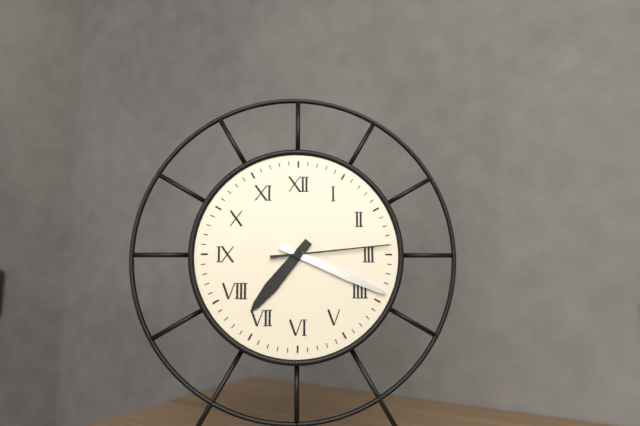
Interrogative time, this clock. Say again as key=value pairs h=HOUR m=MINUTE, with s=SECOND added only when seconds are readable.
h=7 m=19 s=14
